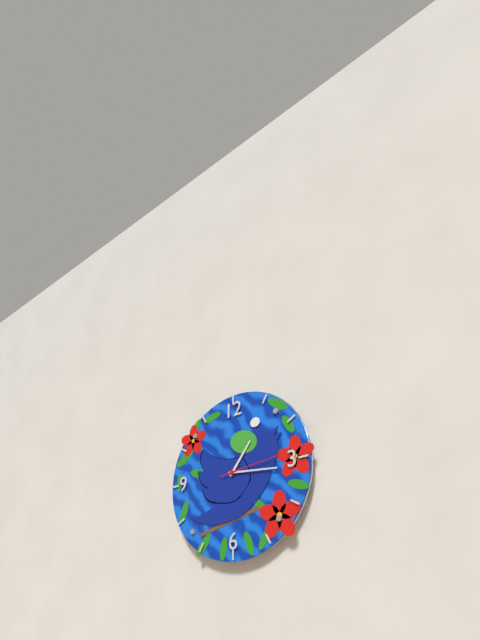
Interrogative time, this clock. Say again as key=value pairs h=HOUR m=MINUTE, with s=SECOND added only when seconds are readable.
h=1 m=16 s=14
